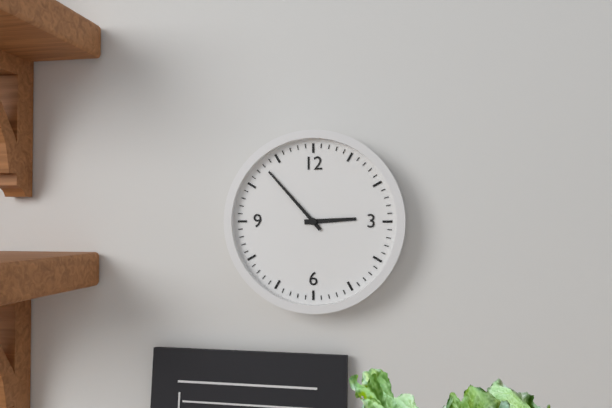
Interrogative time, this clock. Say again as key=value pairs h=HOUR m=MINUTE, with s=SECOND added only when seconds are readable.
h=2 m=53
